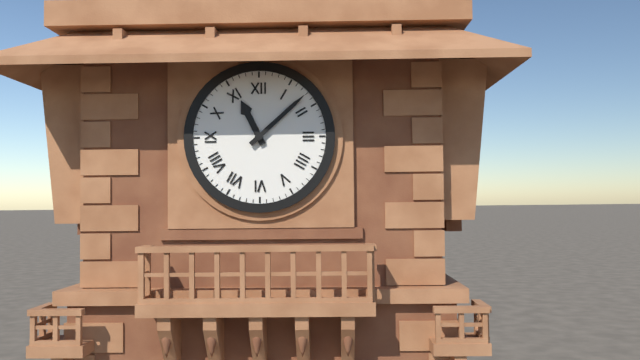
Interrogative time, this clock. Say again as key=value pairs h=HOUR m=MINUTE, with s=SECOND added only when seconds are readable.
h=11 m=8
